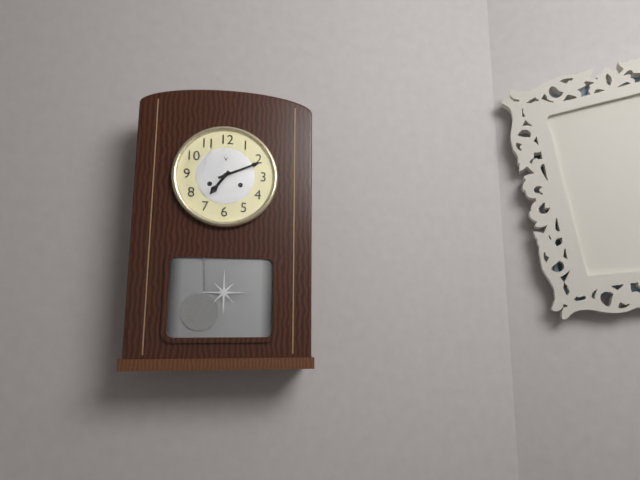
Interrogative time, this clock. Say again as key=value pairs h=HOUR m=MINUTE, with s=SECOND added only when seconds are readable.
h=7 m=11
